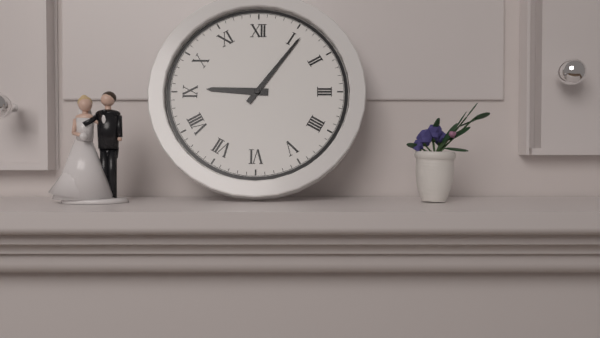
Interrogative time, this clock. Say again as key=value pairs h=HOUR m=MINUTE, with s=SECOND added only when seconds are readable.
h=9 m=6
